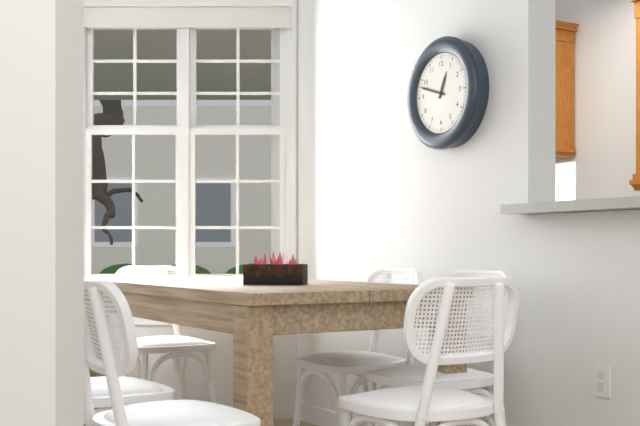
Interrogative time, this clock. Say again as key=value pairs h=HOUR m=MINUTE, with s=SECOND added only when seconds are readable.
h=12 m=48
